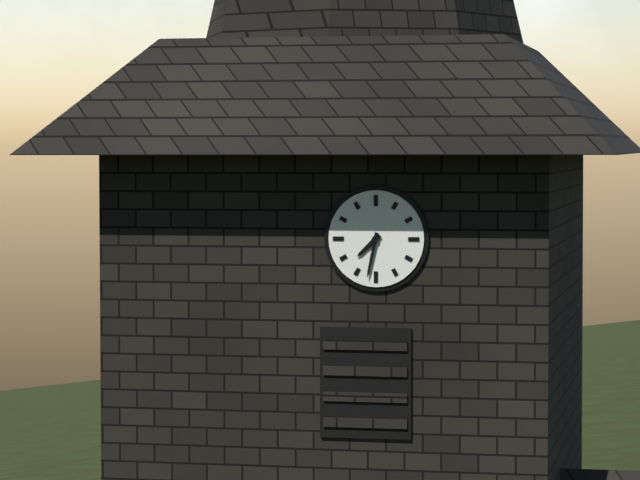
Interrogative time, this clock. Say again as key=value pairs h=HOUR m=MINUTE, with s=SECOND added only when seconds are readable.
h=7 m=32
